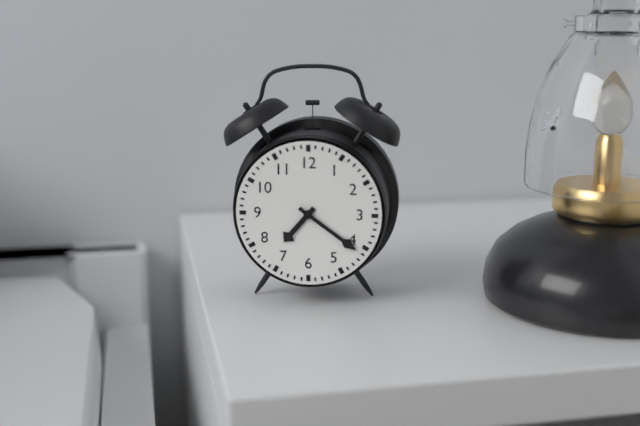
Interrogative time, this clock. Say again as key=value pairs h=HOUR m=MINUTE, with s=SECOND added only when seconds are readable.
h=7 m=21
